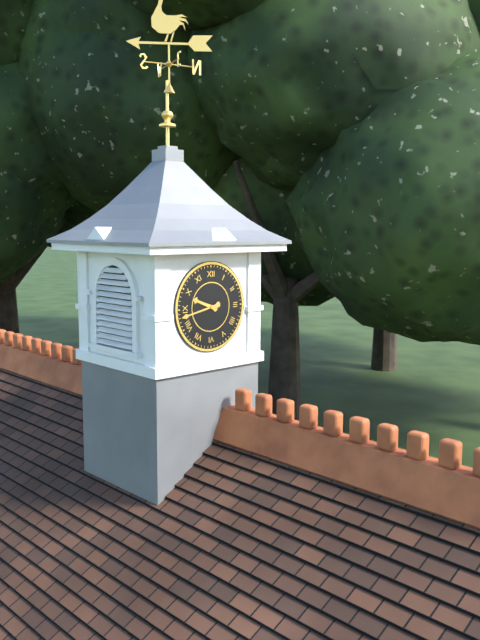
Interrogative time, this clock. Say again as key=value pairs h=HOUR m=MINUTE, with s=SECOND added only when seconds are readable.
h=9 m=43
